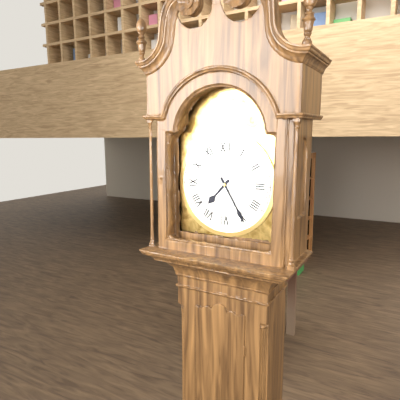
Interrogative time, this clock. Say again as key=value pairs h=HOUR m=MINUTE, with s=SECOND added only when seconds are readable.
h=7 m=25
